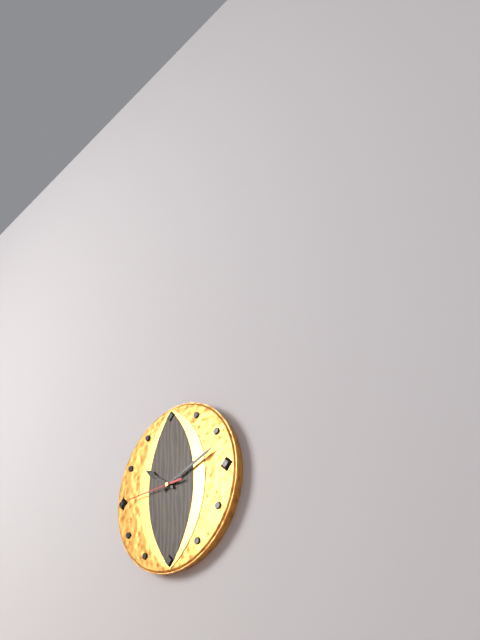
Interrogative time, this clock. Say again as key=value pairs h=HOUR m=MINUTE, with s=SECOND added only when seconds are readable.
h=10 m=12 s=45
